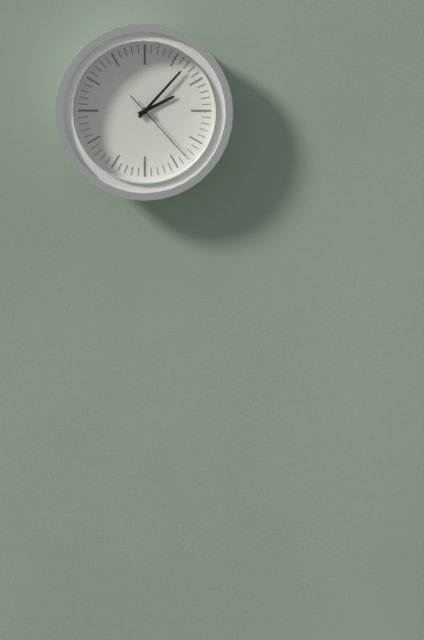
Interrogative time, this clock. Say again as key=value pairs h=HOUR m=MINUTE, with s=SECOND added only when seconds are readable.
h=2 m=7 s=23
